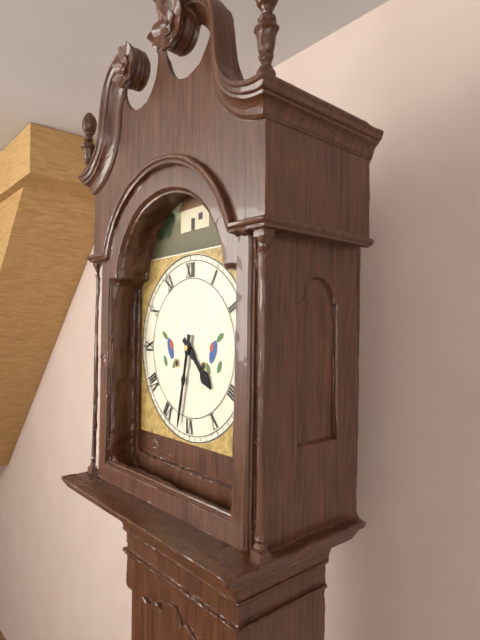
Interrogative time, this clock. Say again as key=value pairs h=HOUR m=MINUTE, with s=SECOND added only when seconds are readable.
h=4 m=32
